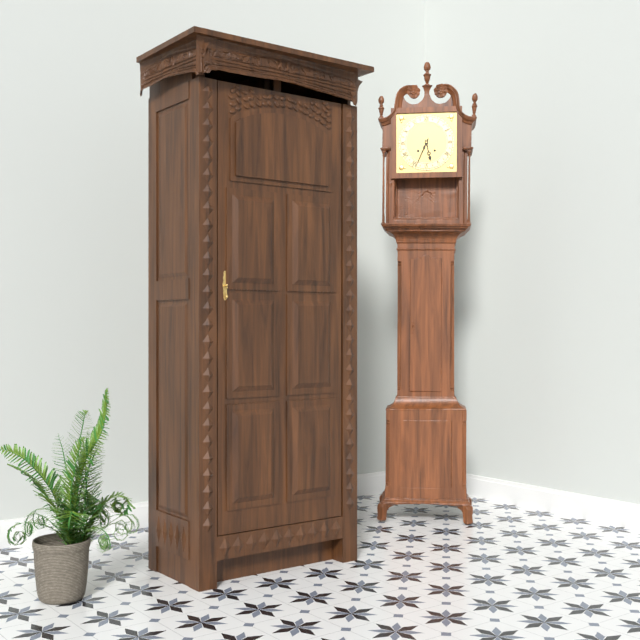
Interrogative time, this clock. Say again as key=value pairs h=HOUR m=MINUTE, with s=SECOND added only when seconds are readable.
h=5 m=34
